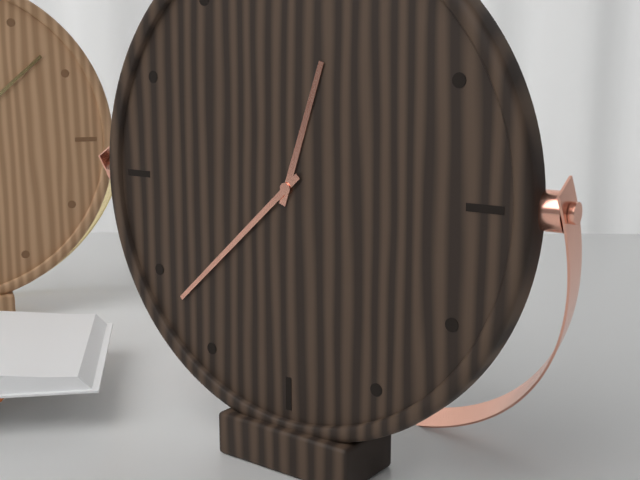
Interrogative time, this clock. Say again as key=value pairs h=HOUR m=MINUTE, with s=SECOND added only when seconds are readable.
h=12 m=38
